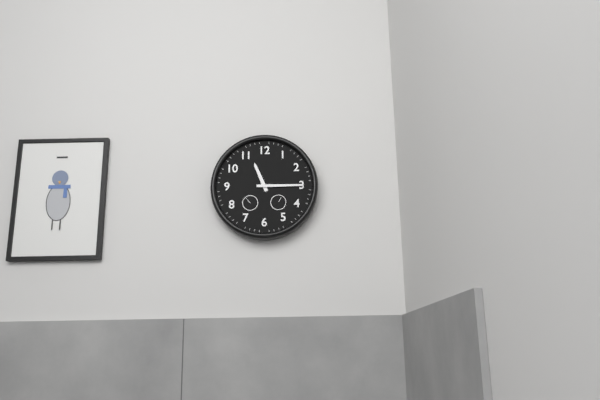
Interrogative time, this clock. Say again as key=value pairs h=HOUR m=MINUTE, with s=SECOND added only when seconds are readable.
h=11 m=15
